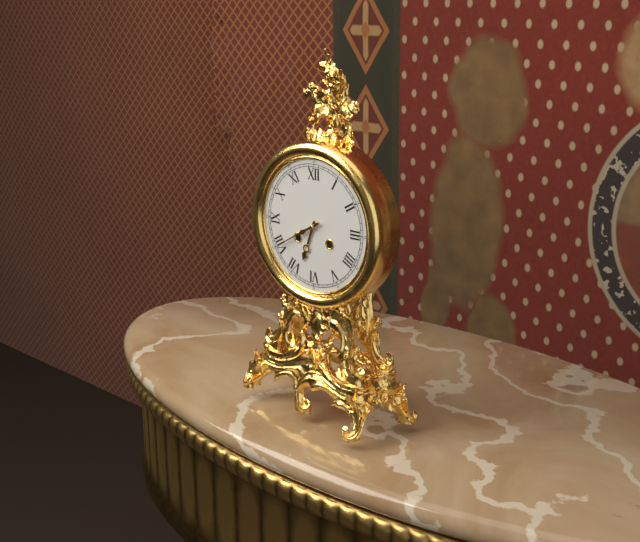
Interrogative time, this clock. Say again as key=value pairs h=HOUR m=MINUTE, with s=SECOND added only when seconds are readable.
h=6 m=40
